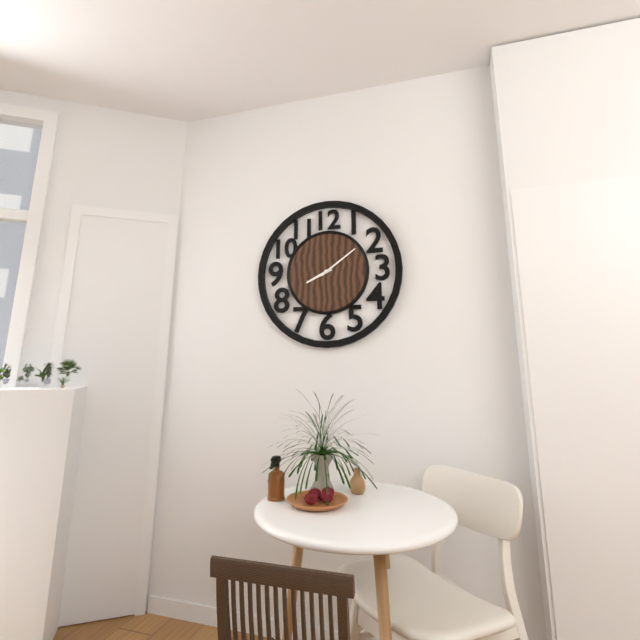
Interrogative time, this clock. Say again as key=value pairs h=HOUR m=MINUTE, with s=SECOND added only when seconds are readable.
h=8 m=9
